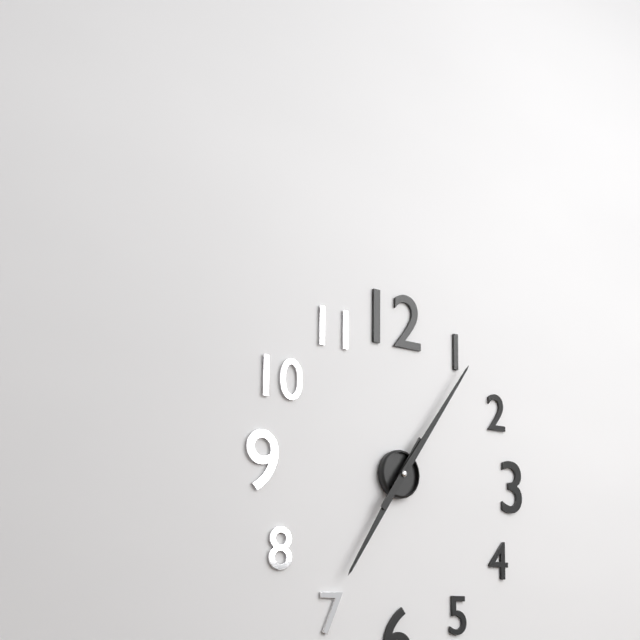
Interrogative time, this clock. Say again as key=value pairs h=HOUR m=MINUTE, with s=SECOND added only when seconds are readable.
h=7 m=6
